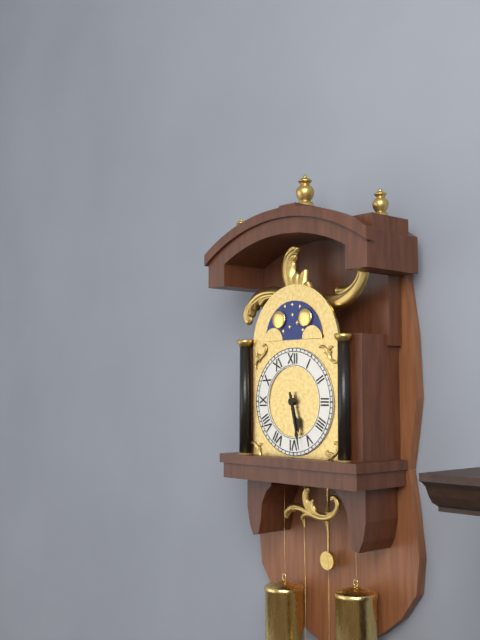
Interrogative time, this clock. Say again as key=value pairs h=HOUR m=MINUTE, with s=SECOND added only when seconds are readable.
h=5 m=28
